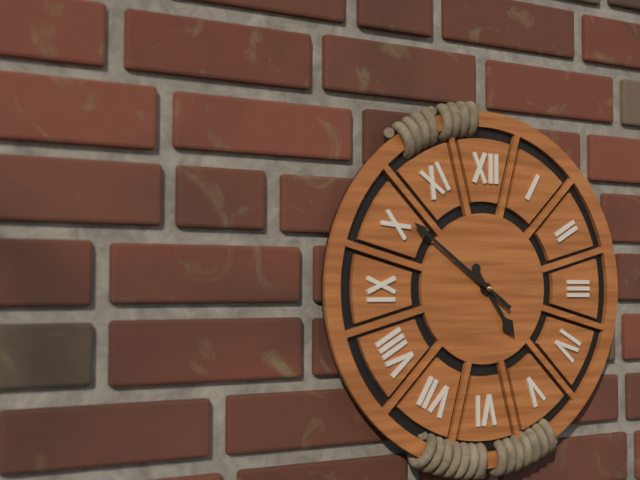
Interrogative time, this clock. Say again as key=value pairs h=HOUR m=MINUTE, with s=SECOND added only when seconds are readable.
h=4 m=51
